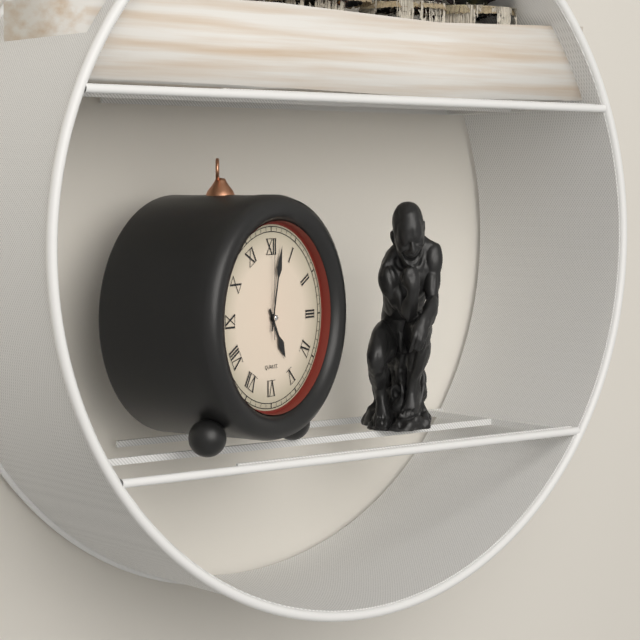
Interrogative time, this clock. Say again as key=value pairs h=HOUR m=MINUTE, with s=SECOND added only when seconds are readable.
h=5 m=2 s=0
